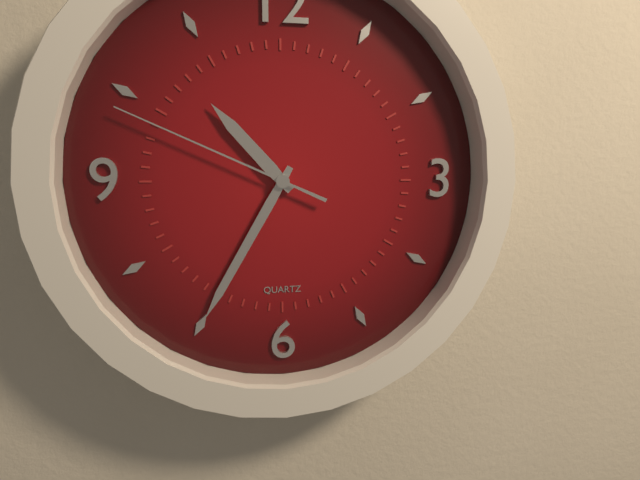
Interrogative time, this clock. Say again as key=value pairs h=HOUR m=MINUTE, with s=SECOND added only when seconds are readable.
h=10 m=35 s=49
